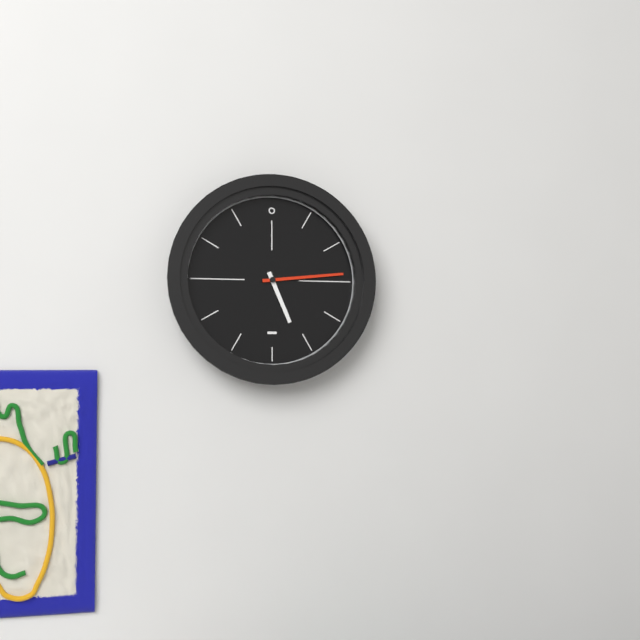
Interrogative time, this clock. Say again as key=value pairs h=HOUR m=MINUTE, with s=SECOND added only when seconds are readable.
h=5 m=14
